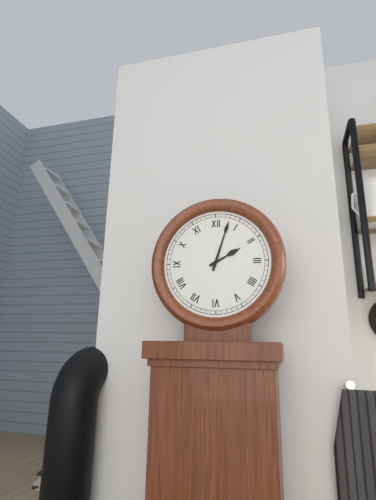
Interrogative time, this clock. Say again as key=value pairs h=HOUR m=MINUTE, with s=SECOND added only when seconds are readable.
h=2 m=3
